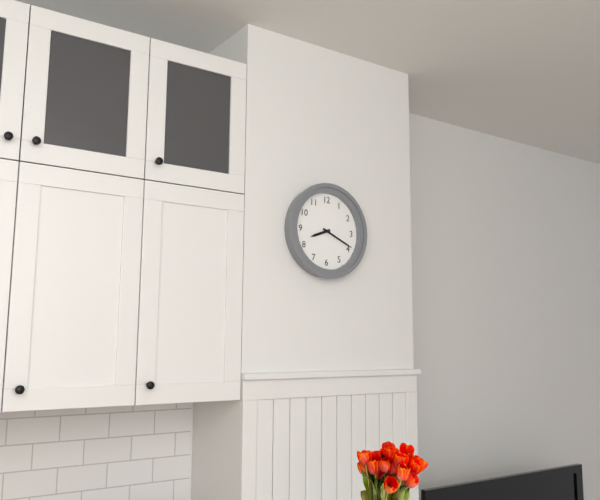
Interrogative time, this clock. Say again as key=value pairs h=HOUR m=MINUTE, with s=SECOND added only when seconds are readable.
h=8 m=19
